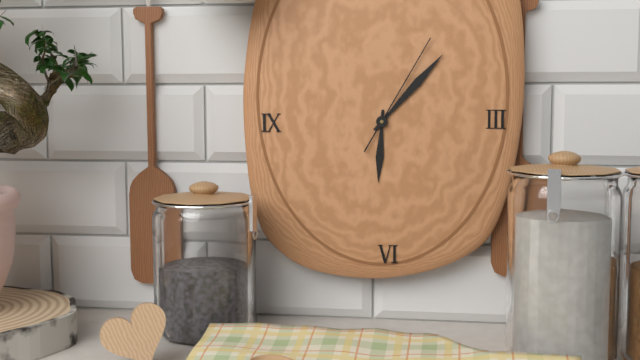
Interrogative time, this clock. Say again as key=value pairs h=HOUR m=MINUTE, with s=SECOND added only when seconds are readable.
h=6 m=7 s=5
